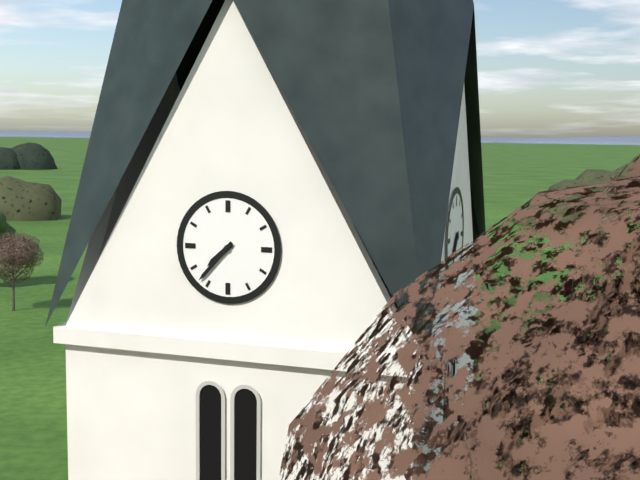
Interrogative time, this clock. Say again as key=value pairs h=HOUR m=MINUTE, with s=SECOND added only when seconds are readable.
h=7 m=37
